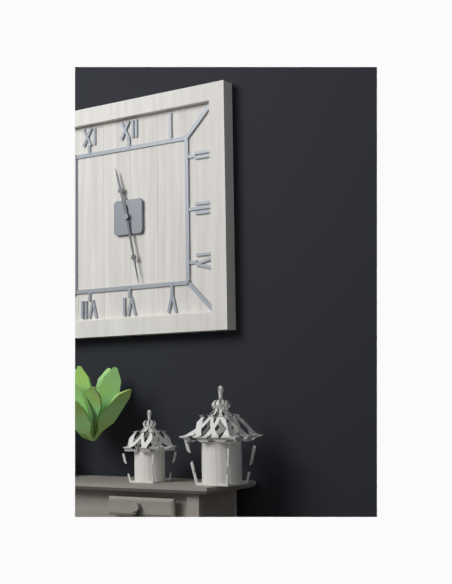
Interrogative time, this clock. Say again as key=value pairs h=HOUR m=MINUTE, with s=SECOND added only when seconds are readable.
h=11 m=28
